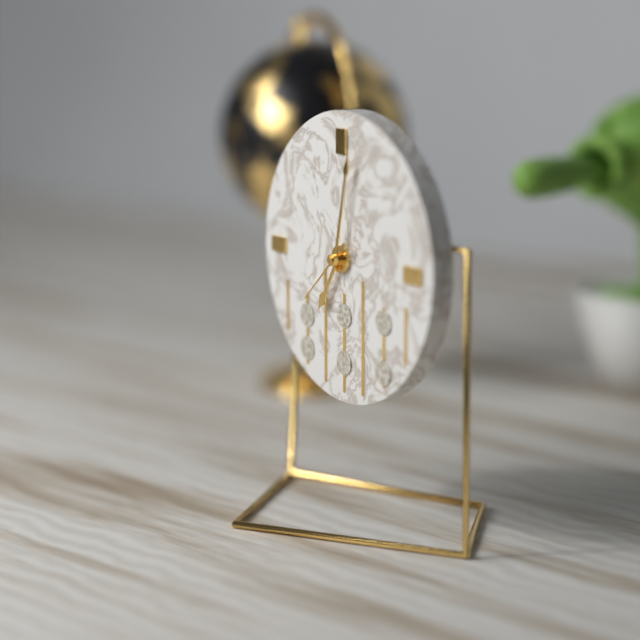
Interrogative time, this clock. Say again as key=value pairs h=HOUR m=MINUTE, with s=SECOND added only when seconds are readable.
h=7 m=2 s=38
